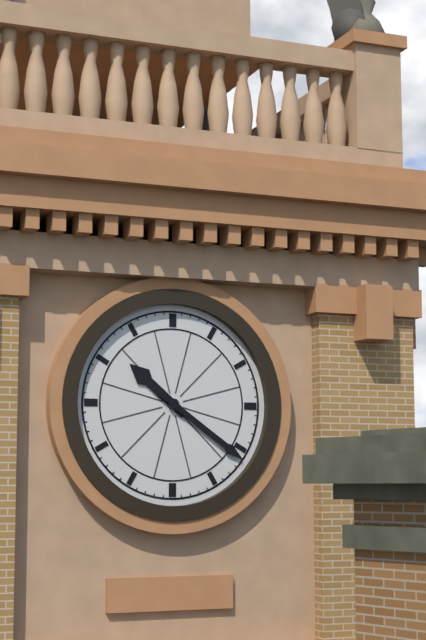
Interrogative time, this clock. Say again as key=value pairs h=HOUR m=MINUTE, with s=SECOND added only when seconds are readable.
h=10 m=21
